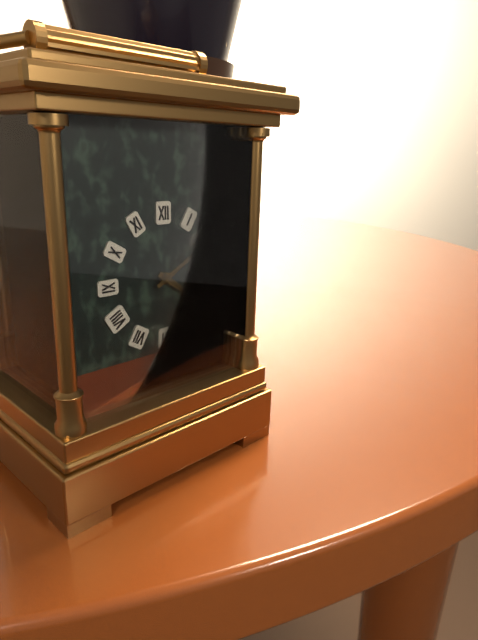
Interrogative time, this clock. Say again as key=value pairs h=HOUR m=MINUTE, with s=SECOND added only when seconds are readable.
h=4 m=10
